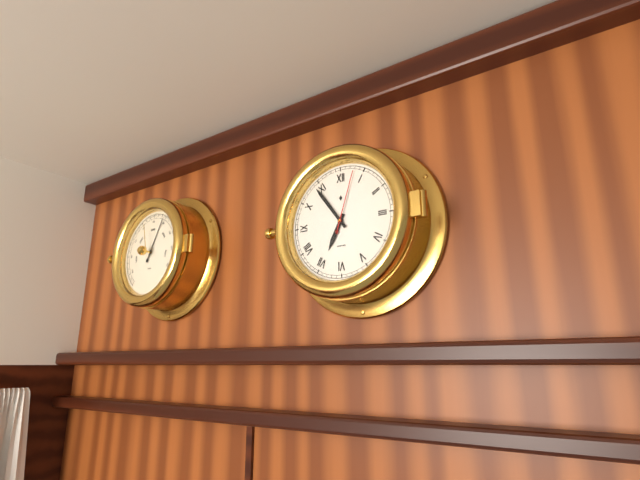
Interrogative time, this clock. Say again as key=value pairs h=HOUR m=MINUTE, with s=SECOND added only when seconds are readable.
h=6 m=54 s=3
